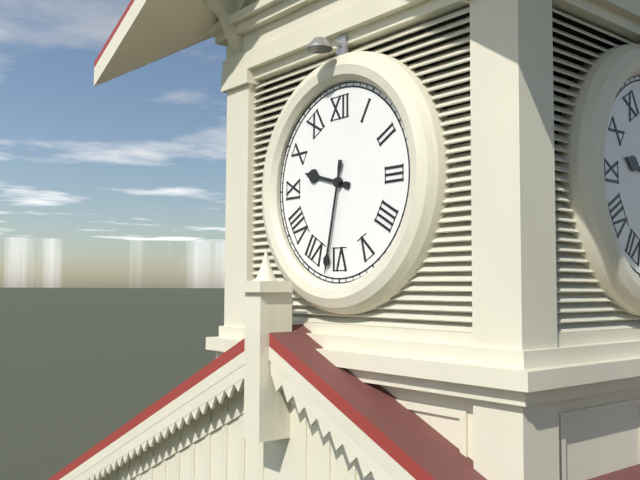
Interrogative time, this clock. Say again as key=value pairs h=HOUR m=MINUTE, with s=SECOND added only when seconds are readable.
h=9 m=32
